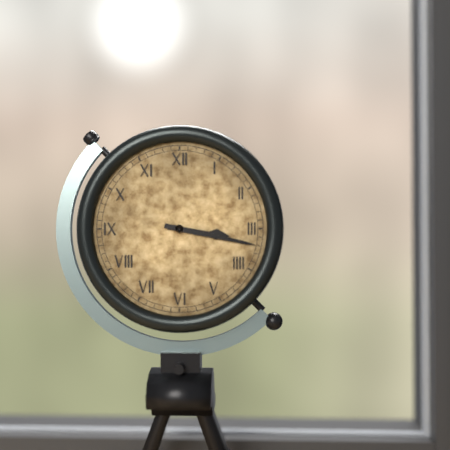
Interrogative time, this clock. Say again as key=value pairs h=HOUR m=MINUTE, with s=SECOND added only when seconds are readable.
h=3 m=17
